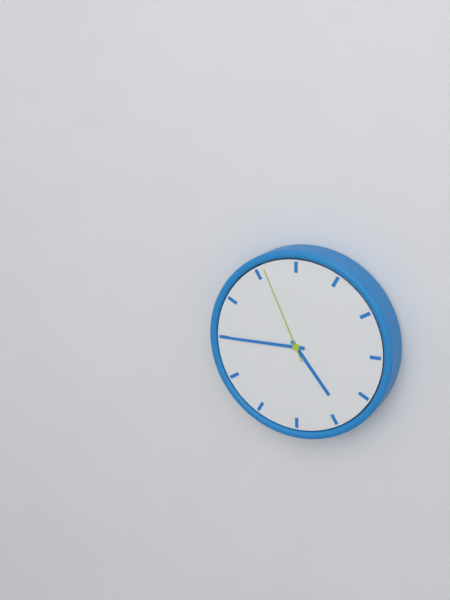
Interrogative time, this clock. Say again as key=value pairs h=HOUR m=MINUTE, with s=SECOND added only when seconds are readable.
h=4 m=45 s=56
